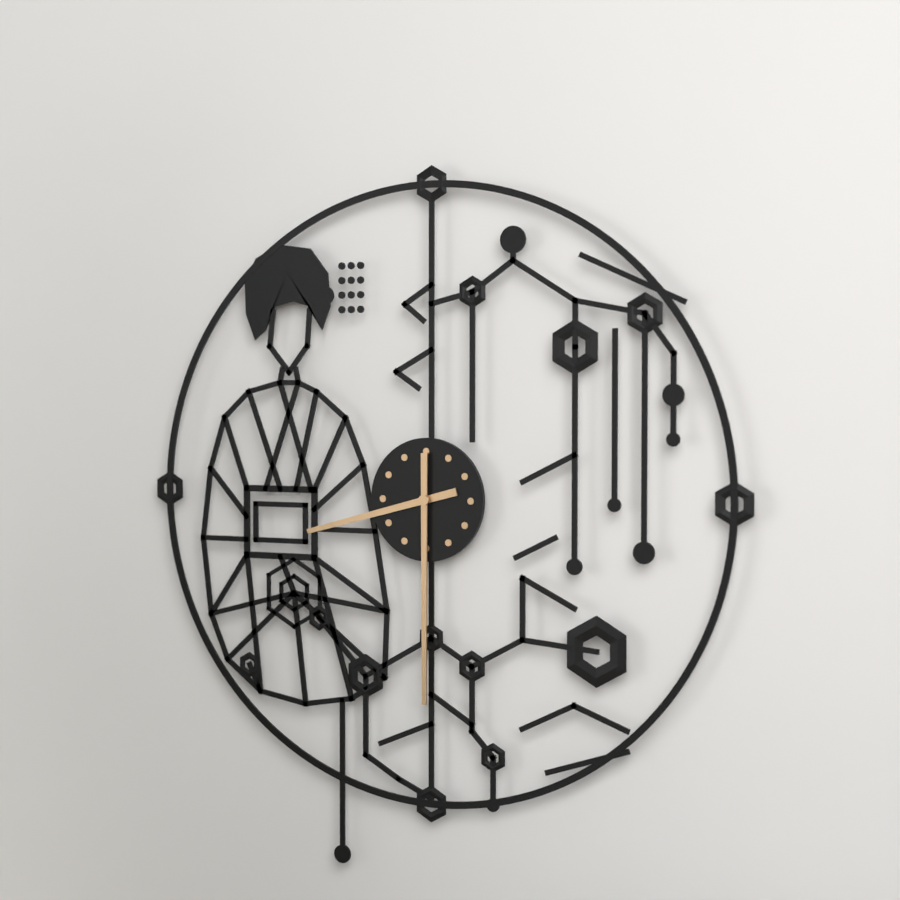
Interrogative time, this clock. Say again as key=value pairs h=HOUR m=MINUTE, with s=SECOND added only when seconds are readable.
h=8 m=30
